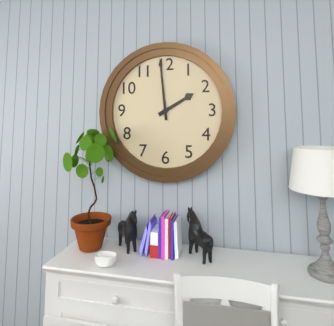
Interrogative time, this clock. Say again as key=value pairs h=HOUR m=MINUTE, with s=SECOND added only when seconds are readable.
h=1 m=59
